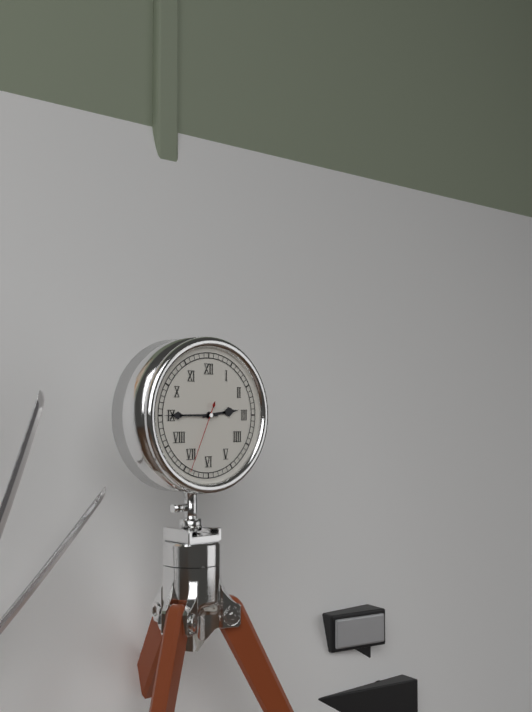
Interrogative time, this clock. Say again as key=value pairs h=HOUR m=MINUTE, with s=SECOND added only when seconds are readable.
h=2 m=45 s=34
